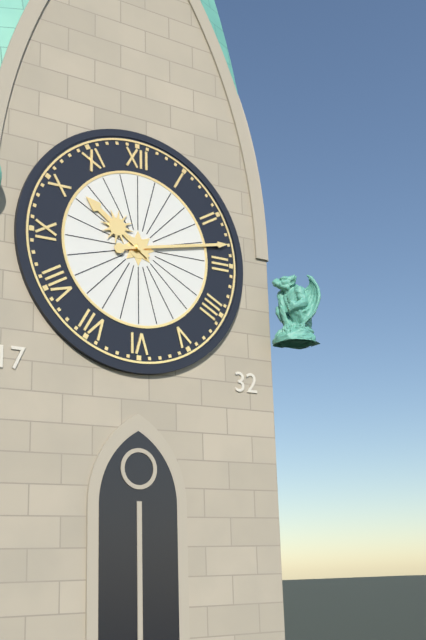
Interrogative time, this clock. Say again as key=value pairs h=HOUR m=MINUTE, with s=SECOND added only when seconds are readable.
h=10 m=13
